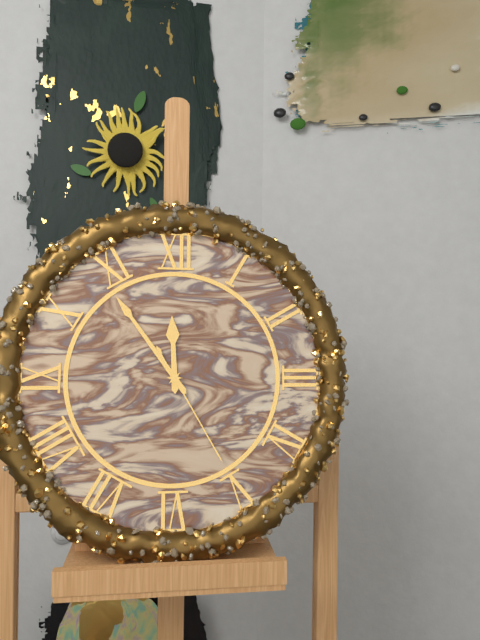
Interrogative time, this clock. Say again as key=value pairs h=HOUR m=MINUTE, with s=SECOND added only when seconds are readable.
h=11 m=54 s=25
